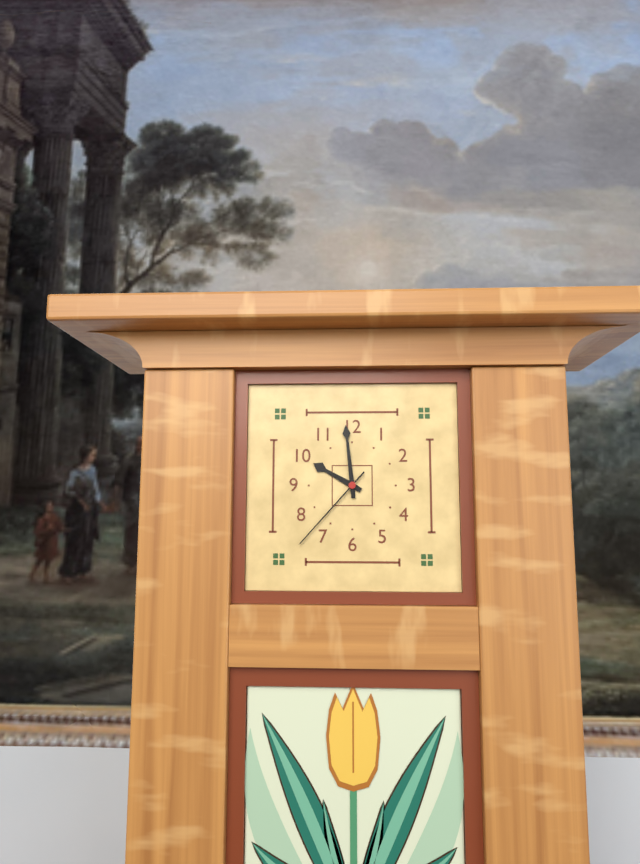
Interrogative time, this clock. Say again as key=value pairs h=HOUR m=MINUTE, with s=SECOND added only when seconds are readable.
h=9 m=59 s=37
